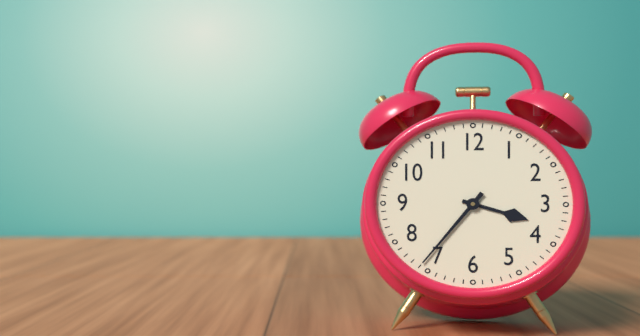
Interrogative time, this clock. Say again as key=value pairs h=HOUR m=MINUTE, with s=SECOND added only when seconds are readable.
h=3 m=36
